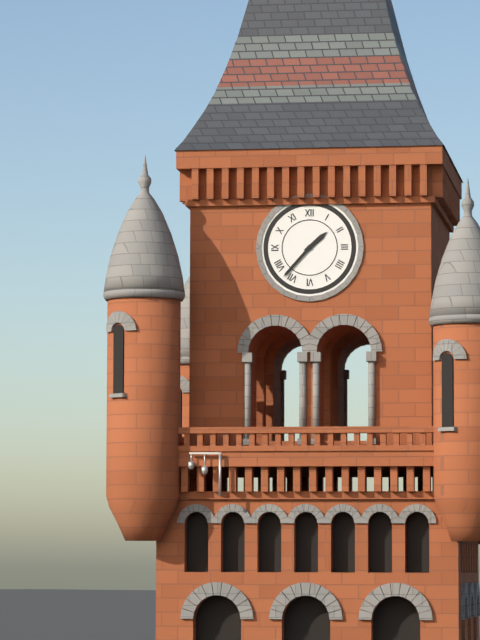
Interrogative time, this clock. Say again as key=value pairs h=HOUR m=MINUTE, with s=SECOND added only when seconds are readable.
h=1 m=37
